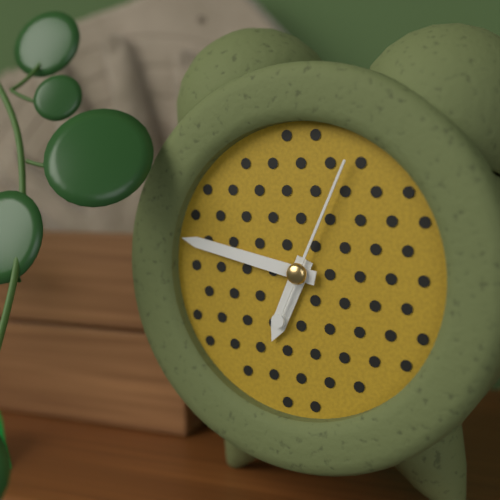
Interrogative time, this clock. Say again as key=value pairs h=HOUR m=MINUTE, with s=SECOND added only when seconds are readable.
h=6 m=47 s=4
